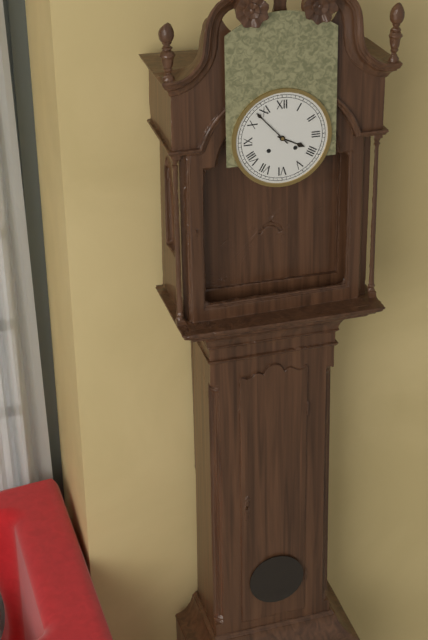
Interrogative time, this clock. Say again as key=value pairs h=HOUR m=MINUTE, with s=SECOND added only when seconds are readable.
h=3 m=53
